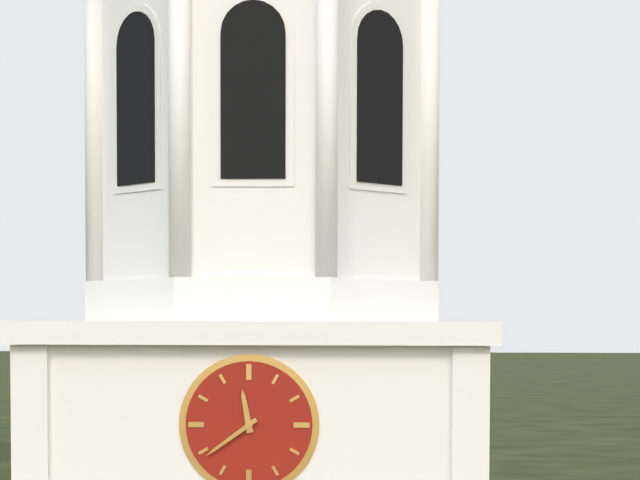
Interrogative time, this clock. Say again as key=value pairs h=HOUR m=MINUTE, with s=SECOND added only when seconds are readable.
h=11 m=39
